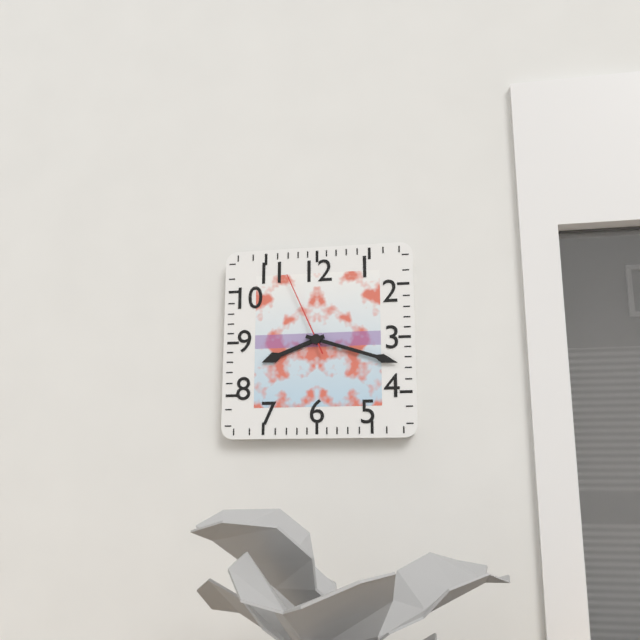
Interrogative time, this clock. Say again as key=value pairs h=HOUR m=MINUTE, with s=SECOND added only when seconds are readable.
h=8 m=18 s=56
